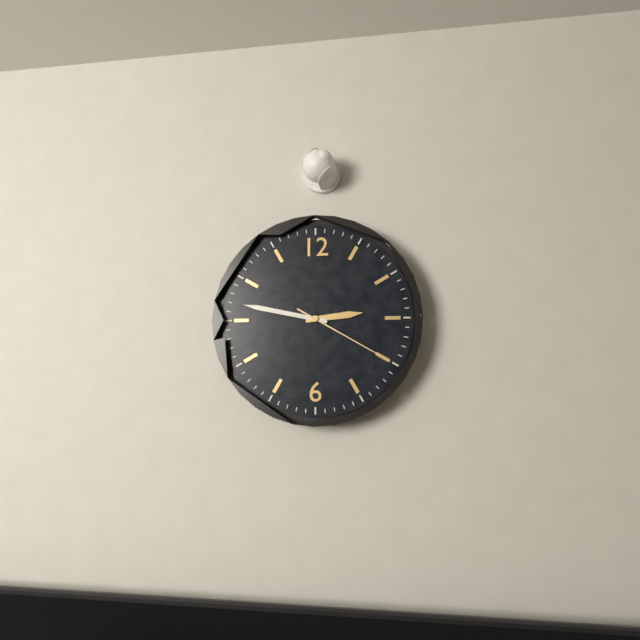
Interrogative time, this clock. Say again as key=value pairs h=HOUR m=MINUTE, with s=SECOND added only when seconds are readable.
h=2 m=47 s=20
